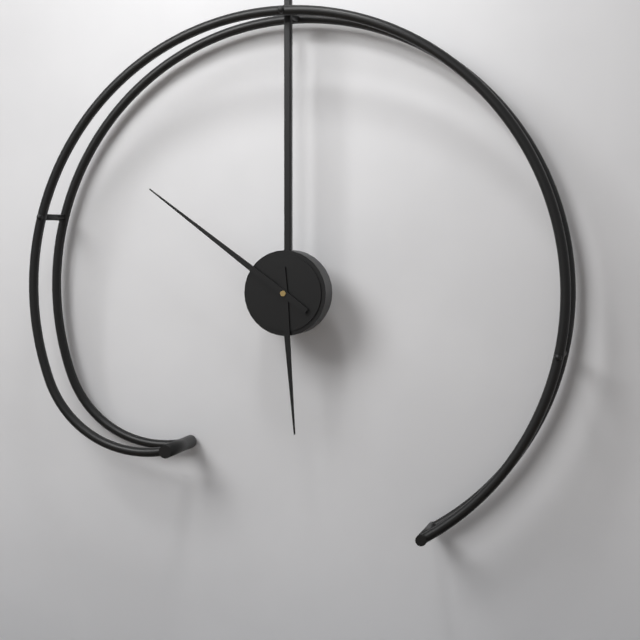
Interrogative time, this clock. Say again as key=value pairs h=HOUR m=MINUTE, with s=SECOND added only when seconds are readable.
h=5 m=51
